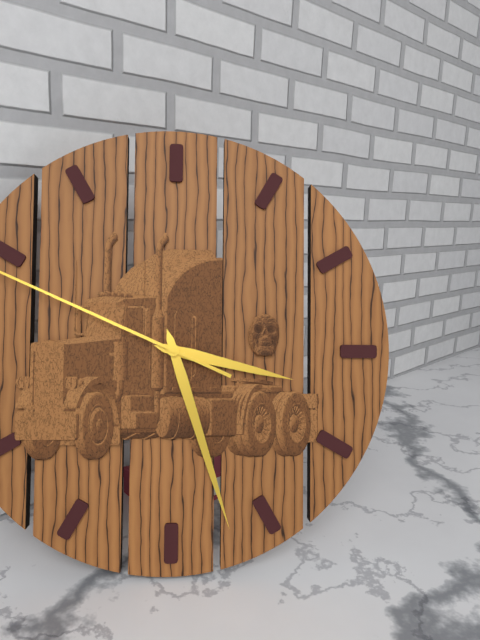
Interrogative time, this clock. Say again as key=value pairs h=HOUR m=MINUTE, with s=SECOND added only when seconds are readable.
h=3 m=27
